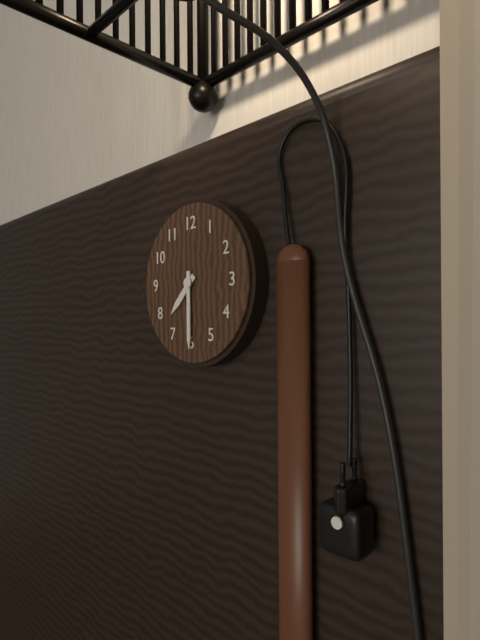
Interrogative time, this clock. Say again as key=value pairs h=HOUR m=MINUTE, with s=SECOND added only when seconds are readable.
h=7 m=30
